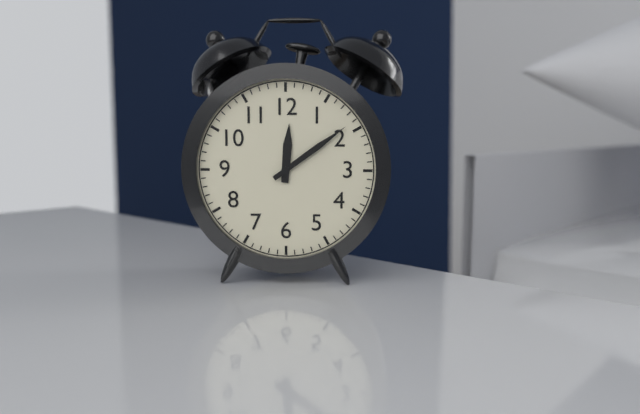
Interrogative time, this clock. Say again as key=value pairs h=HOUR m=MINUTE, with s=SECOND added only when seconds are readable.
h=12 m=9
